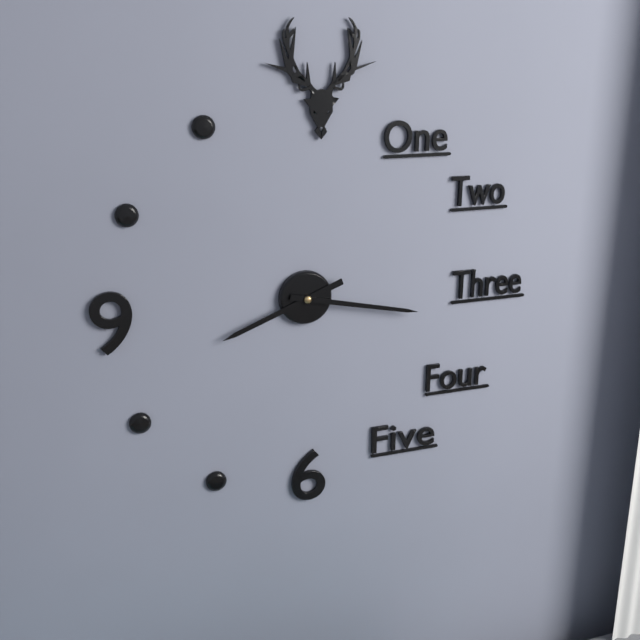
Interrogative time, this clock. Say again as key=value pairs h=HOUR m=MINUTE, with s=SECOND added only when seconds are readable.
h=8 m=17
